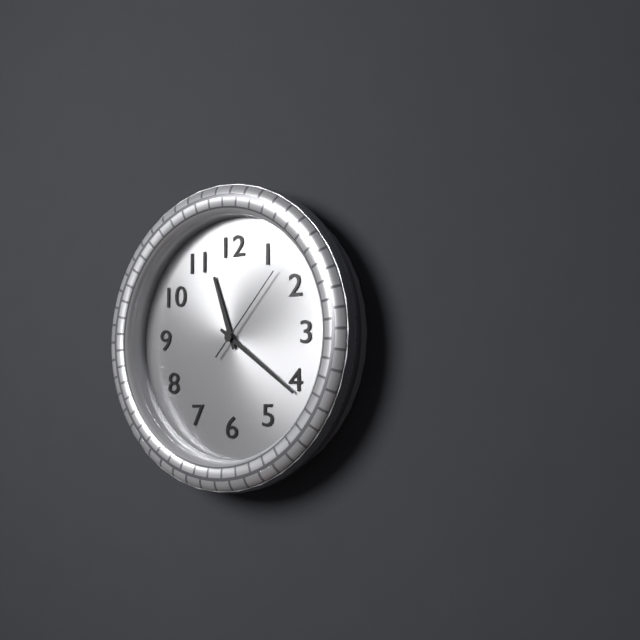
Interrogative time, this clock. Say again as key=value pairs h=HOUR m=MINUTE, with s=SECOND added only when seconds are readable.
h=11 m=21 s=7
